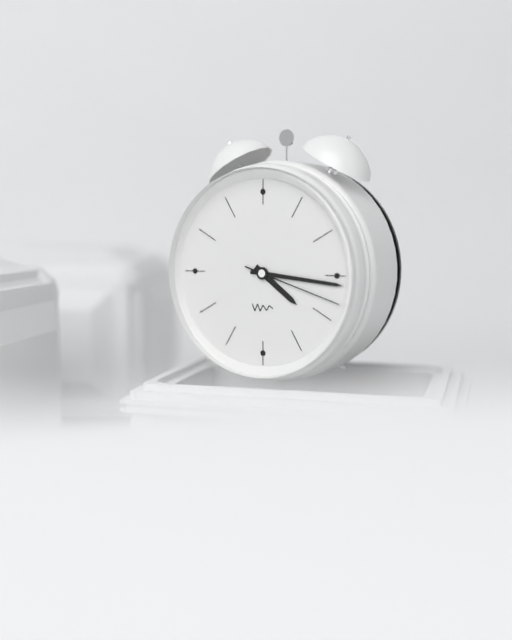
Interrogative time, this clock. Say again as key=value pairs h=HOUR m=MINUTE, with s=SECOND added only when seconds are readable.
h=4 m=16 s=18
